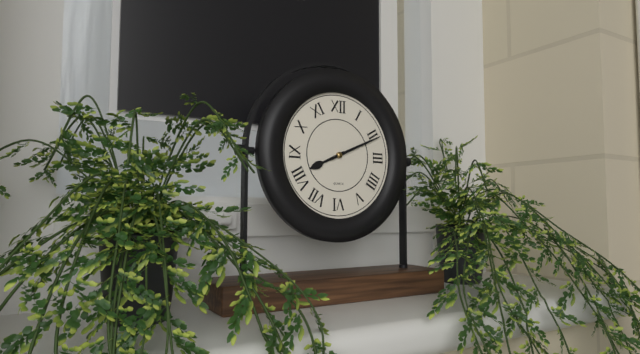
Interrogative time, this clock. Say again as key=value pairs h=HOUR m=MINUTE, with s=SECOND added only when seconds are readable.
h=8 m=11
